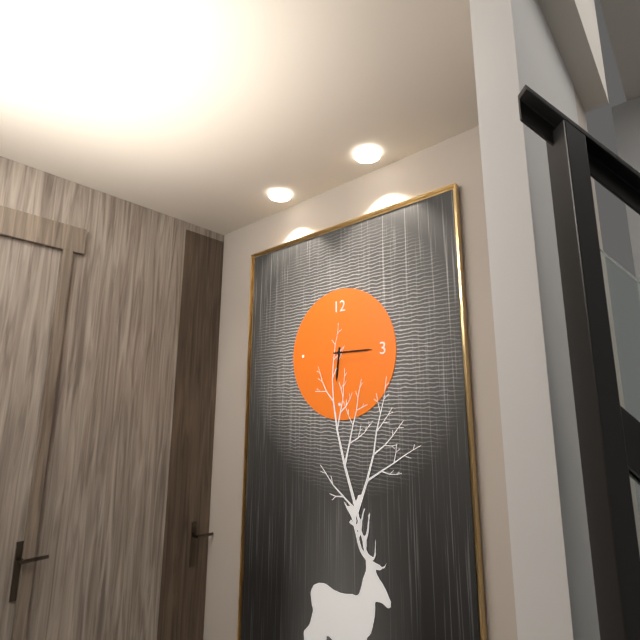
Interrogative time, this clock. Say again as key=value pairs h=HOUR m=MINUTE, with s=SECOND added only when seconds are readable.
h=6 m=15
